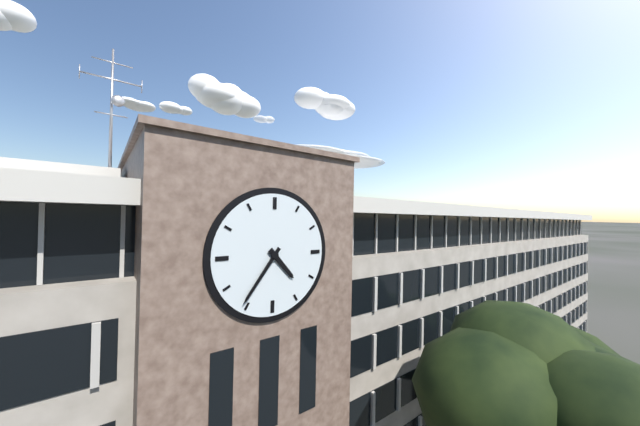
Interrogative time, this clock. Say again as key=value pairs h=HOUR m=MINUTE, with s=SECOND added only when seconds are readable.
h=4 m=36
